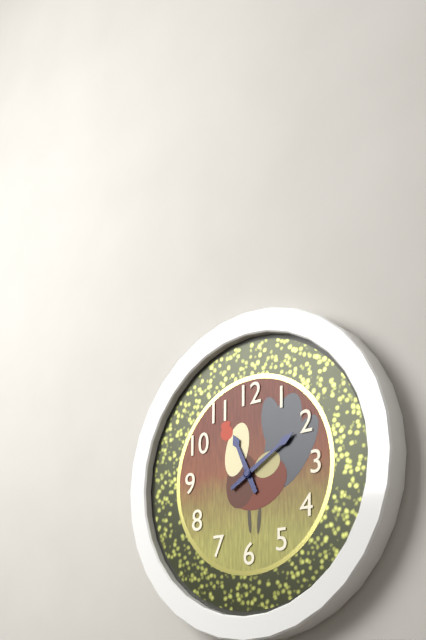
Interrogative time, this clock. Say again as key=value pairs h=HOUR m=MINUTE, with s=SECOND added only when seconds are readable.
h=11 m=10
